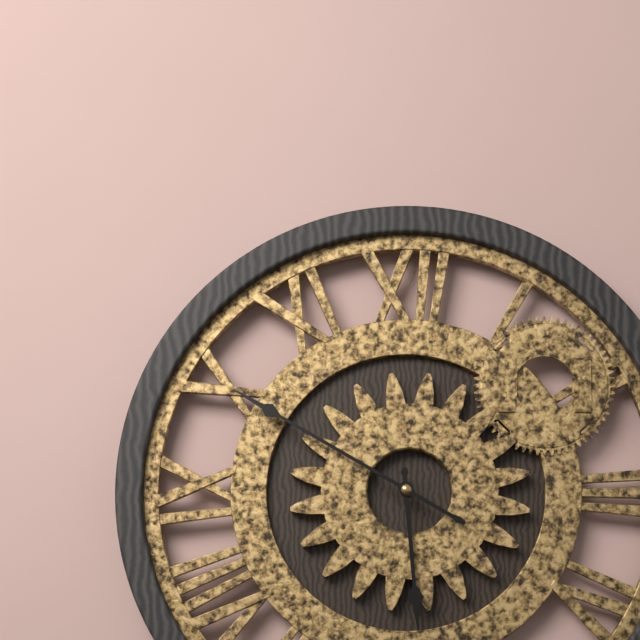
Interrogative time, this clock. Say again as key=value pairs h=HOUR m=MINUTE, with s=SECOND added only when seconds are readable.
h=5 m=50
